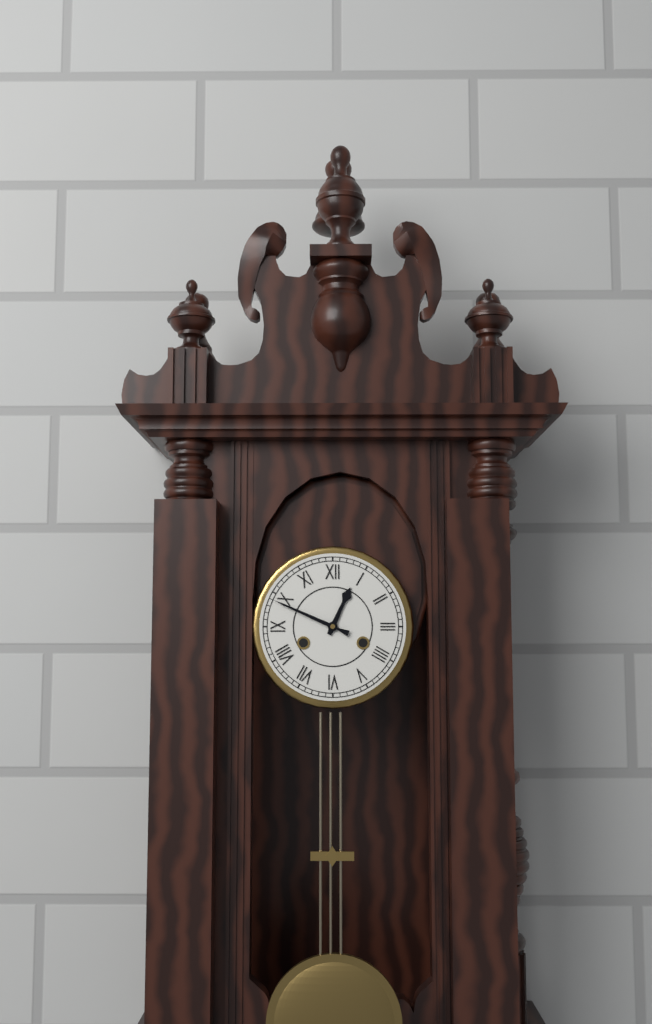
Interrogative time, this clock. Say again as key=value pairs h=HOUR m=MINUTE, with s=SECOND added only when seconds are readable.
h=12 m=49
